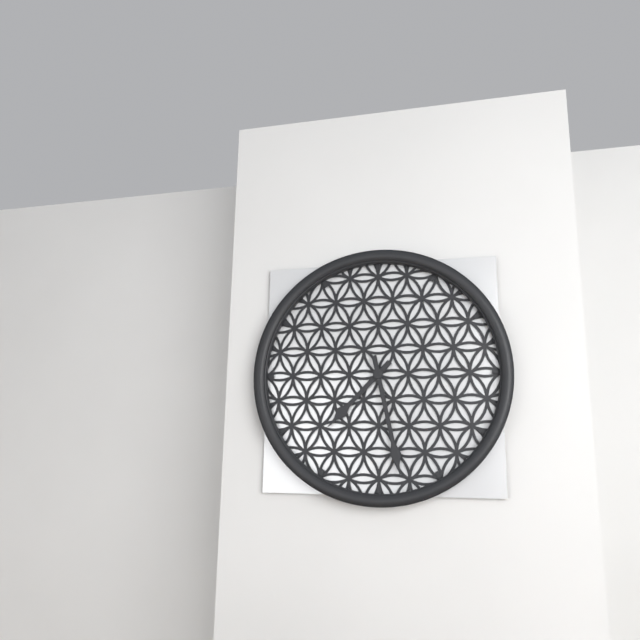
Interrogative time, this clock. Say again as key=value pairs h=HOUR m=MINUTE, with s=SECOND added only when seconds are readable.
h=7 m=28
